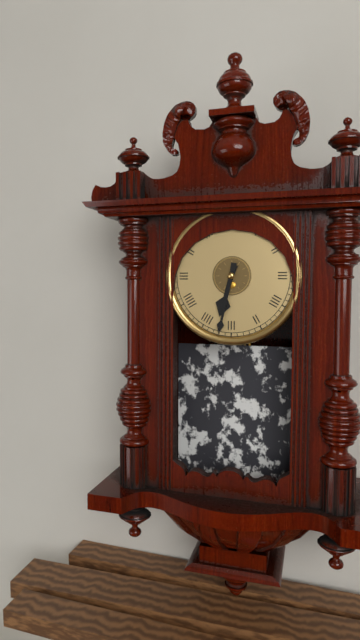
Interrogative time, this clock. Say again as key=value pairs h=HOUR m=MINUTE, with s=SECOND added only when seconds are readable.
h=6 m=32
